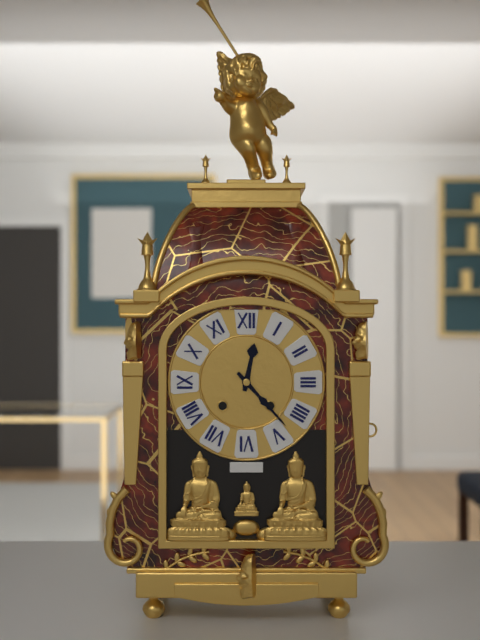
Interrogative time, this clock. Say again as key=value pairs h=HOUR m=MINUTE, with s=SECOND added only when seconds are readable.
h=12 m=23
